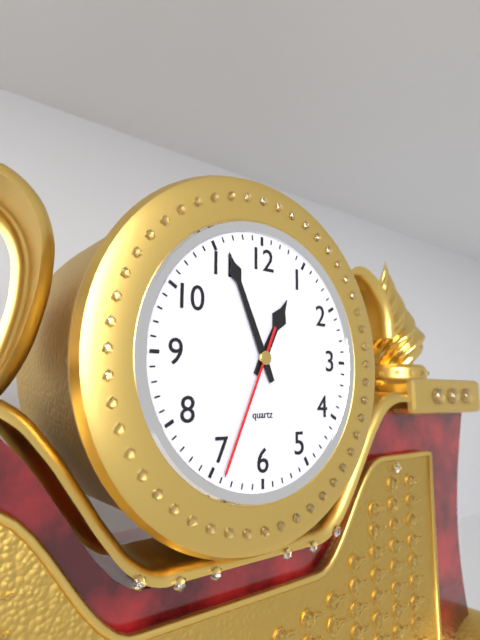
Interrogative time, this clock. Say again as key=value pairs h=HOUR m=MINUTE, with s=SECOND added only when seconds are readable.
h=12 m=56 s=34
